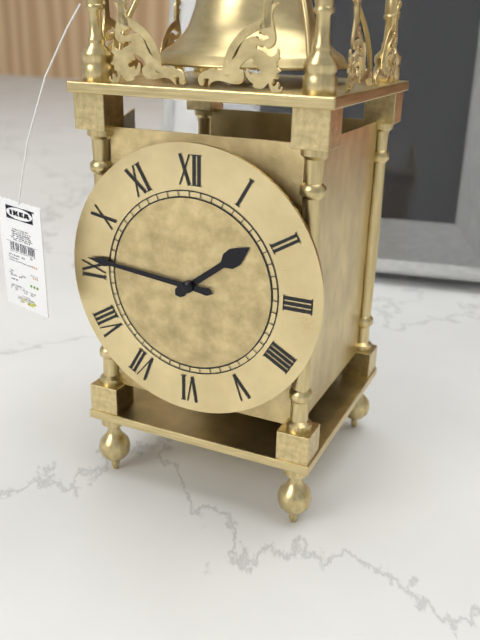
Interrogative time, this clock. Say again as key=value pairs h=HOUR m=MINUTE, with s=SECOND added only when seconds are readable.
h=1 m=46
